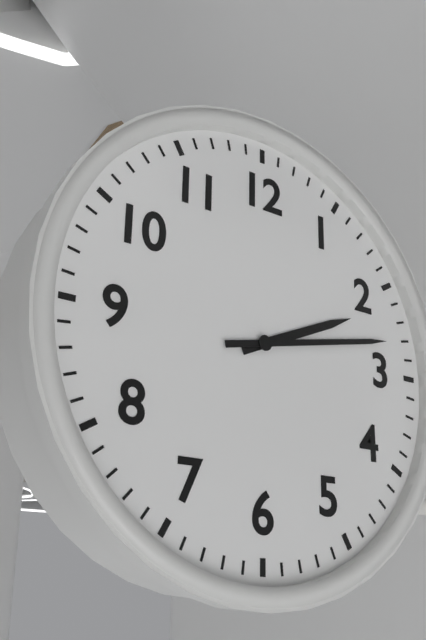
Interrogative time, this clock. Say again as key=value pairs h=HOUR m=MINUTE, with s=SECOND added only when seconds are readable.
h=2 m=13
